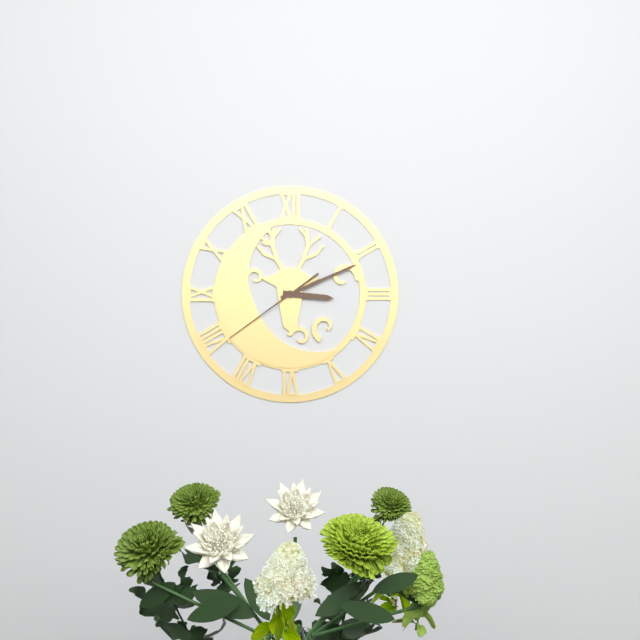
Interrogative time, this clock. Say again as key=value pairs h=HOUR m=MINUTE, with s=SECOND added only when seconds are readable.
h=3 m=11 s=39
